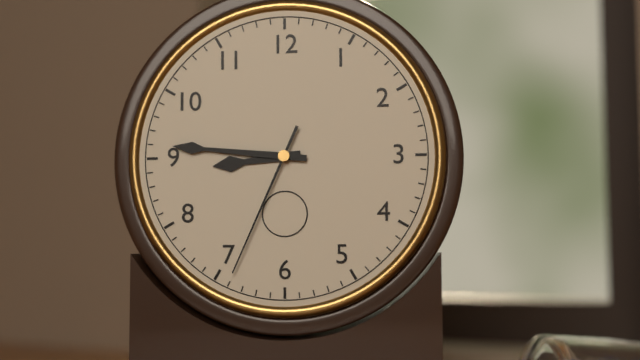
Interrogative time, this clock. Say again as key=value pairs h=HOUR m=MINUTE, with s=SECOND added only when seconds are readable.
h=8 m=46 s=34
